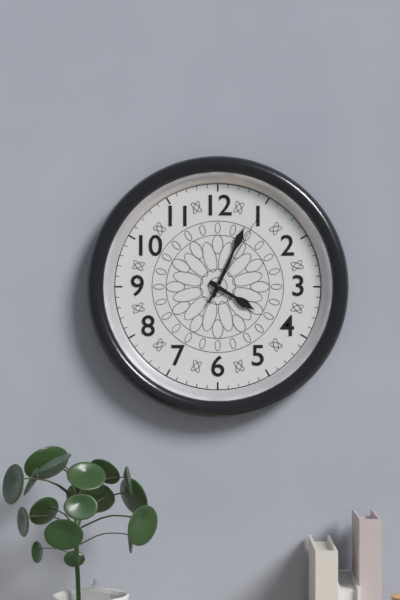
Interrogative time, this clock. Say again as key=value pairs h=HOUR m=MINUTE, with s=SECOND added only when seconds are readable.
h=4 m=4 s=5
